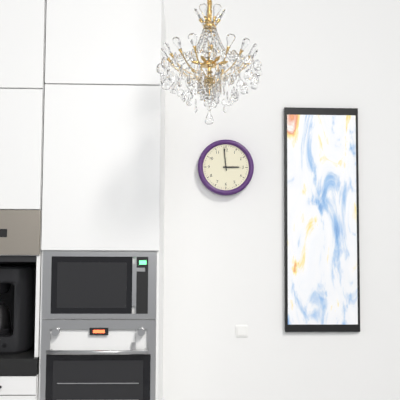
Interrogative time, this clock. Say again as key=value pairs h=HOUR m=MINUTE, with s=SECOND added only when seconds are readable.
h=2 m=59
